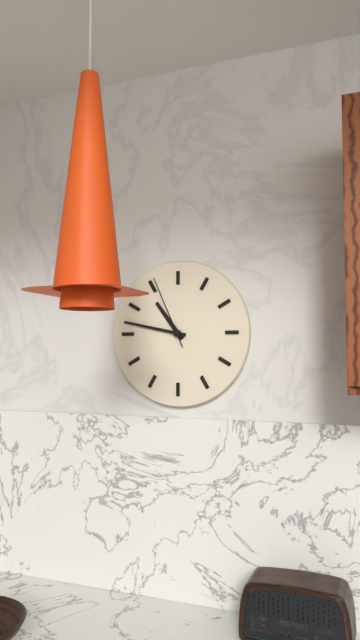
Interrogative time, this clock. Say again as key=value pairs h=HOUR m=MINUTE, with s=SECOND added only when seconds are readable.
h=10 m=47 s=56
